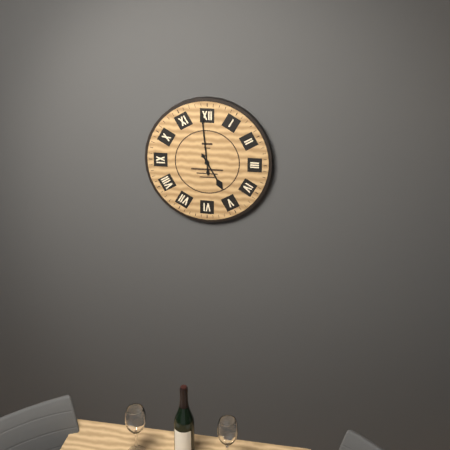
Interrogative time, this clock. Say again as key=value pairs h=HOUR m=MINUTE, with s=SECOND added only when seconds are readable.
h=4 m=59
